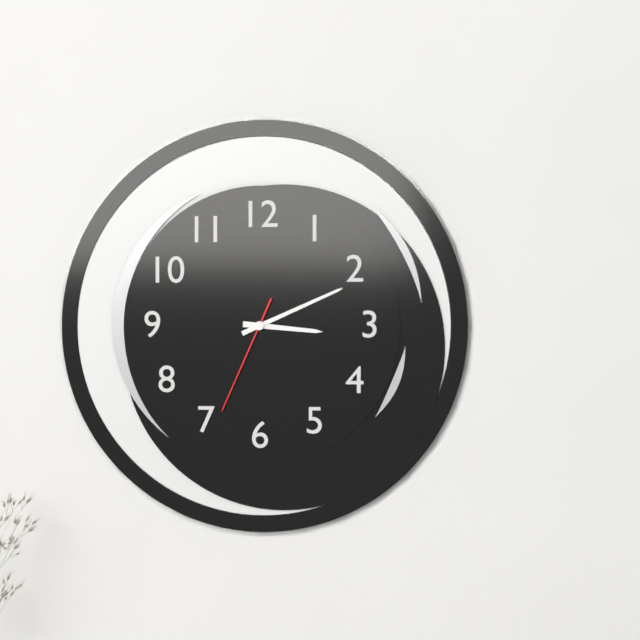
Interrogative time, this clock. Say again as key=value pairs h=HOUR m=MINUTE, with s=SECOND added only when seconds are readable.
h=3 m=11 s=34
